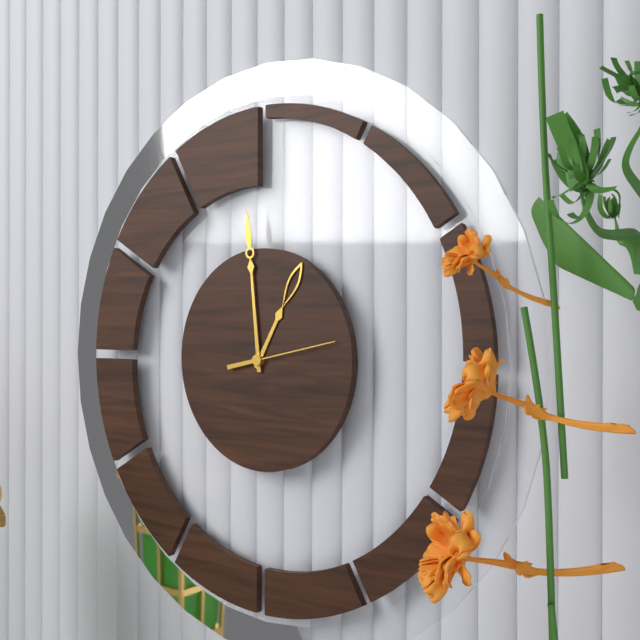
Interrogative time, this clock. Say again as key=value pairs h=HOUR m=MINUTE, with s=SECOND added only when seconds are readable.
h=12 m=59 s=13
